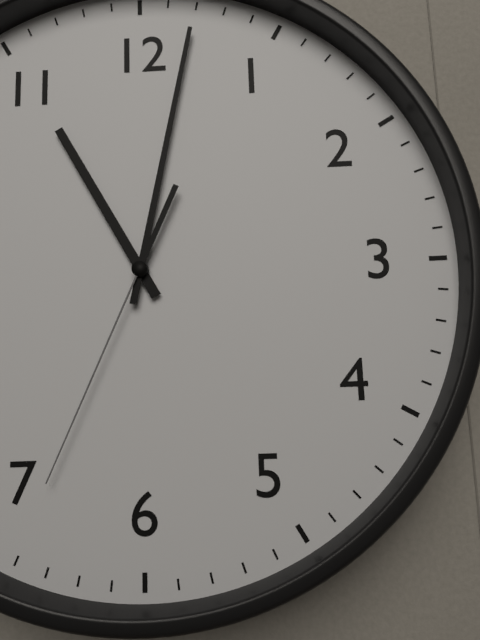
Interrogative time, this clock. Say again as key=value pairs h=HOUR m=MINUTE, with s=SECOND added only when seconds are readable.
h=11 m=2 s=34
